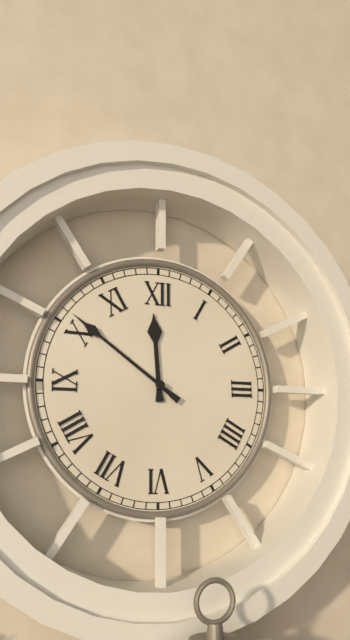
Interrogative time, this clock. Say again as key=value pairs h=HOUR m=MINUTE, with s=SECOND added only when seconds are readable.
h=11 m=51
